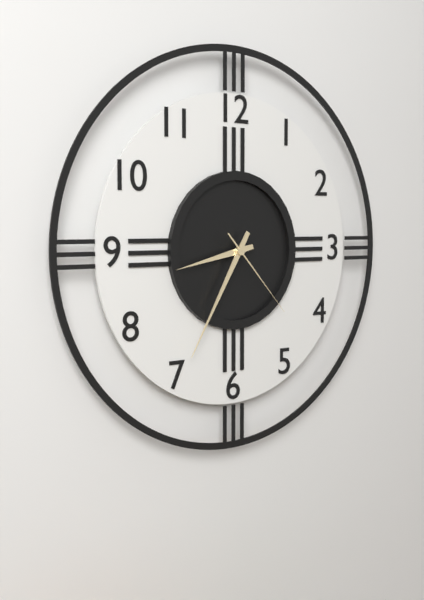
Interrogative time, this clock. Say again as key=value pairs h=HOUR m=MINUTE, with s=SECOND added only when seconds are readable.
h=8 m=35 s=23
